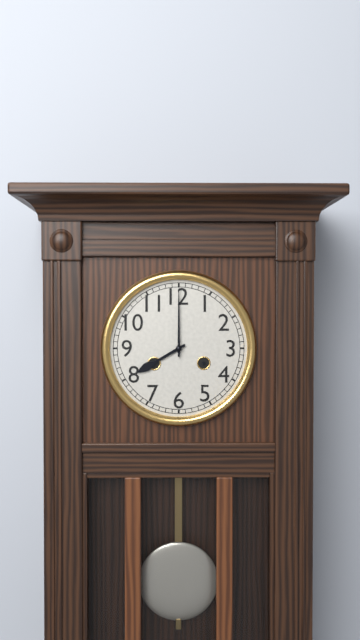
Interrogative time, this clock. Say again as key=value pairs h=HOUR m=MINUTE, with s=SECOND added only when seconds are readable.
h=8 m=0
